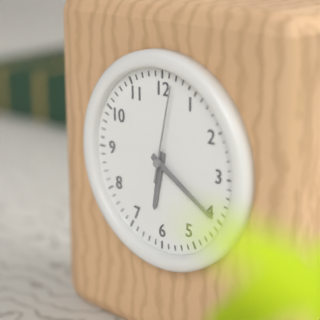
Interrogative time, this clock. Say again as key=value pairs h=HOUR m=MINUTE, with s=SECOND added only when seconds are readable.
h=6 m=20 s=2
